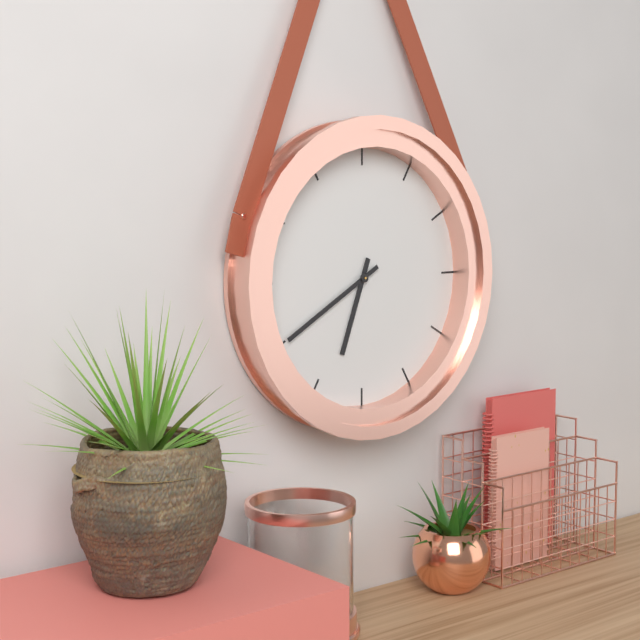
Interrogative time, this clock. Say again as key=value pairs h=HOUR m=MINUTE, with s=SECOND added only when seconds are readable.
h=6 m=40
